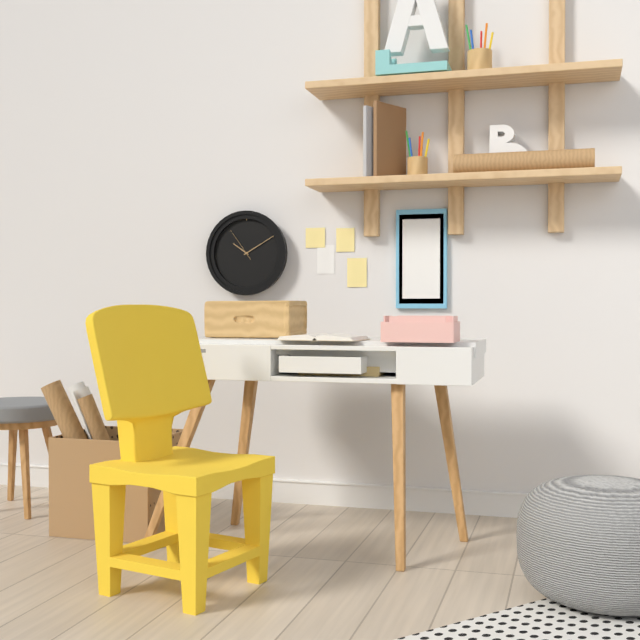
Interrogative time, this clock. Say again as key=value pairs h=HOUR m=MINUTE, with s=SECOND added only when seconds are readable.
h=10 m=10
